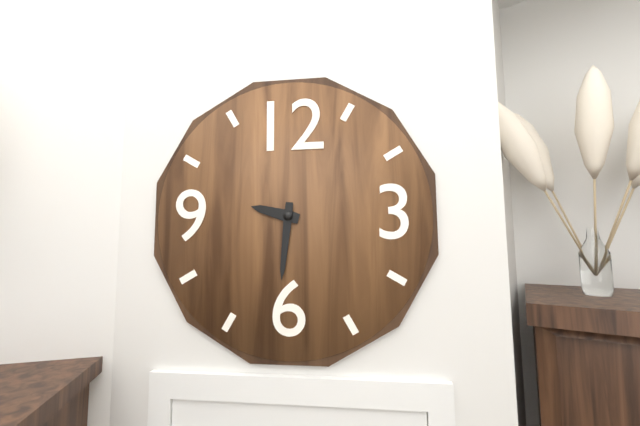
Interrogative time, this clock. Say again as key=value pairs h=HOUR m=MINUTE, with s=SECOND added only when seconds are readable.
h=9 m=31
